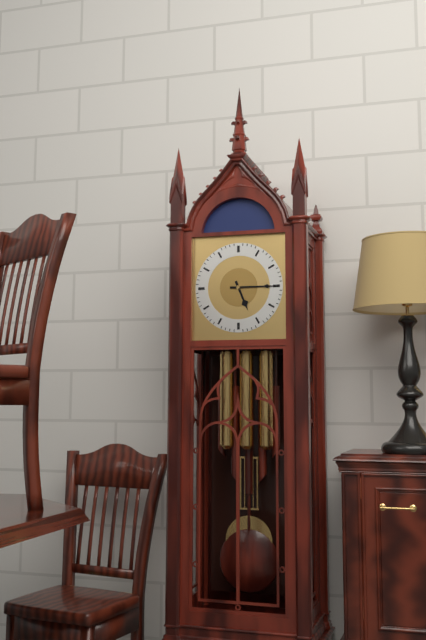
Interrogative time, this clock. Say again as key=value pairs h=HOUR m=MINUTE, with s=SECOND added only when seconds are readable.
h=5 m=15
